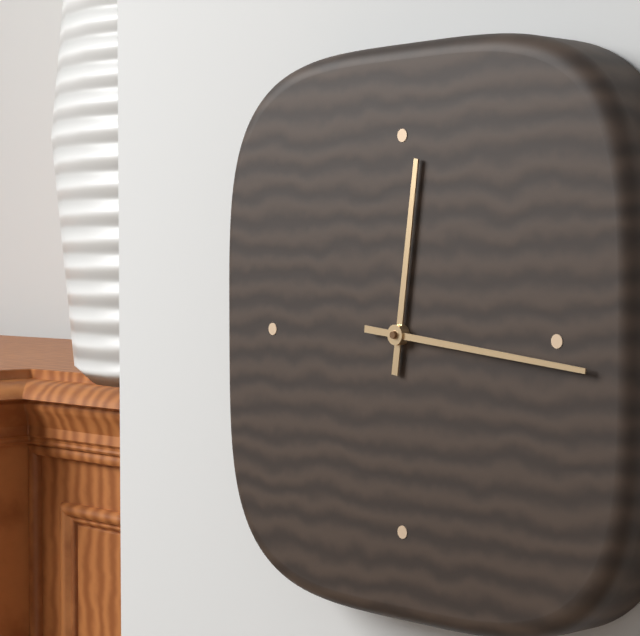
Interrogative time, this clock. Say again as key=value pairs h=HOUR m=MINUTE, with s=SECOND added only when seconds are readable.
h=12 m=16
